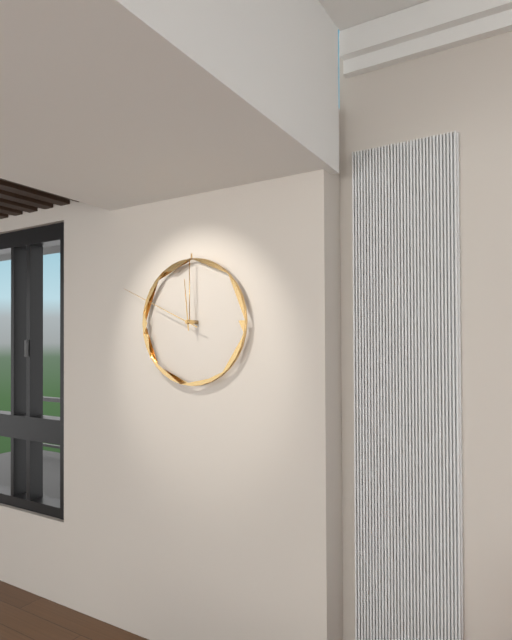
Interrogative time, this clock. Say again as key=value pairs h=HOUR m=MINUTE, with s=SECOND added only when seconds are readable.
h=11 m=49
